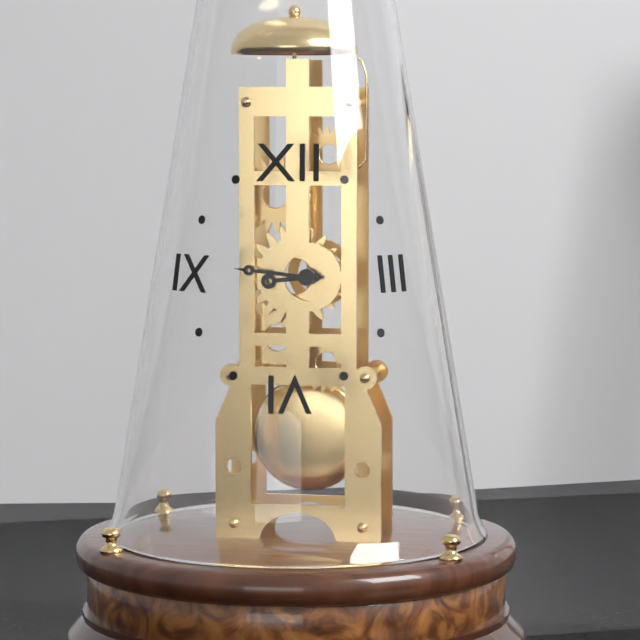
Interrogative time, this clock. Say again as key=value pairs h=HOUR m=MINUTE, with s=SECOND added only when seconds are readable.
h=8 m=46
